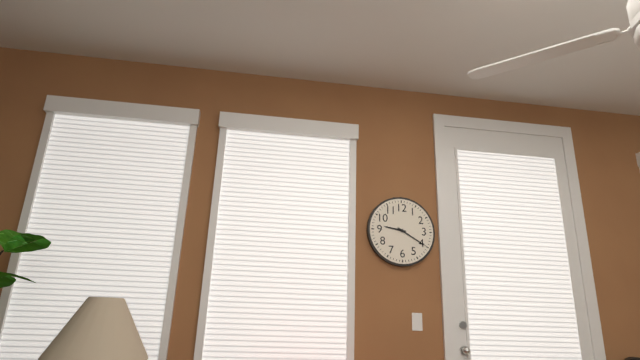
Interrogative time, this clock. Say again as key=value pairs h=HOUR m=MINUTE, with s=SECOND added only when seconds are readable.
h=9 m=20
